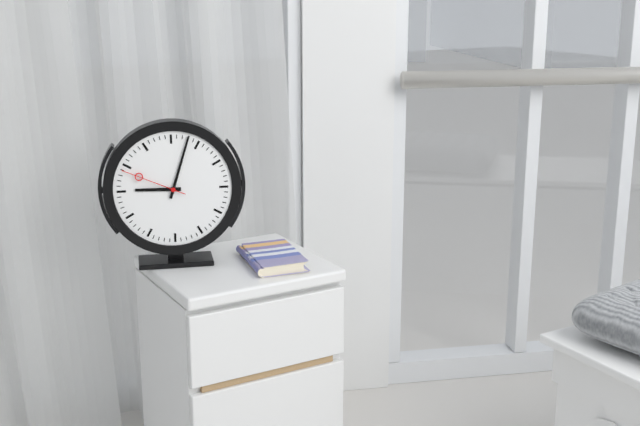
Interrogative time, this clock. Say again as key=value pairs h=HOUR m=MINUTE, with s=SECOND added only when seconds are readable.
h=9 m=3 s=49
